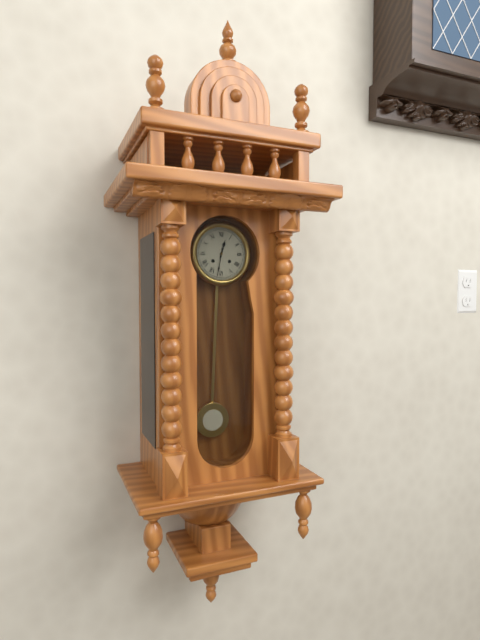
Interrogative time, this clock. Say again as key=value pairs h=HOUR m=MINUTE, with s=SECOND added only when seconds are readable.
h=12 m=32
